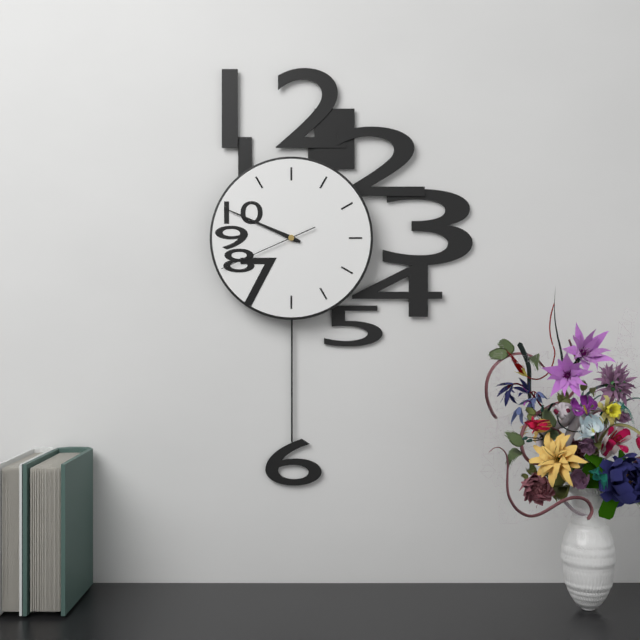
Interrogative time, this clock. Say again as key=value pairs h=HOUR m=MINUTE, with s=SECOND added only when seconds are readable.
h=9 m=49 s=41
